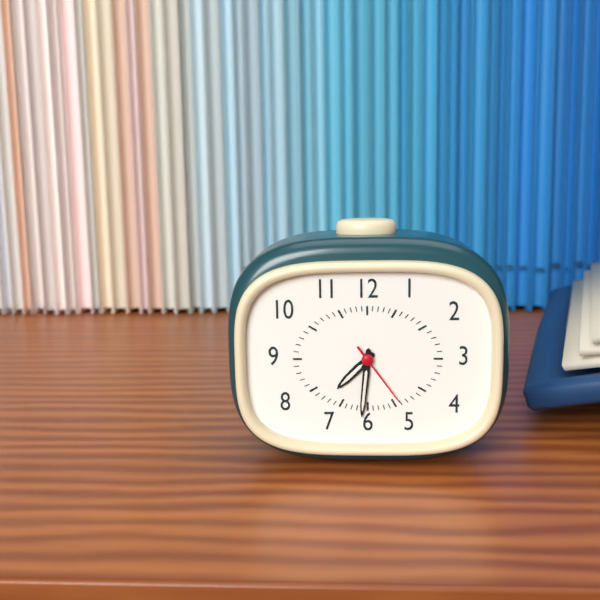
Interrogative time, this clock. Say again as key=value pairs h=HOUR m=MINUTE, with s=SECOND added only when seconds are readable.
h=7 m=31 s=24
